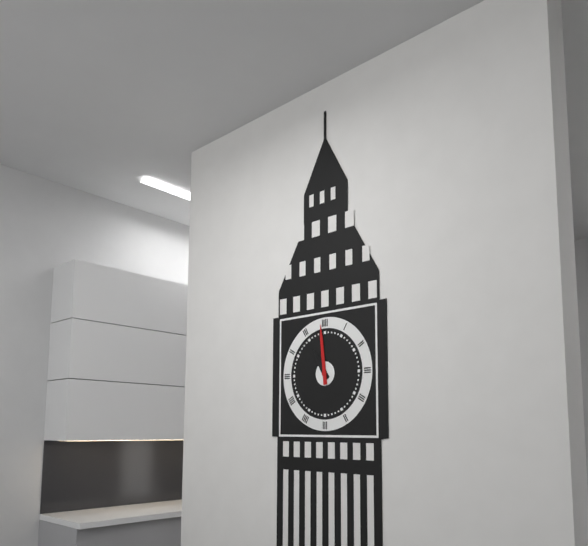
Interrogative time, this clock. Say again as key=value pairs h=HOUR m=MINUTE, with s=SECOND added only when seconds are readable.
h=10 m=59
